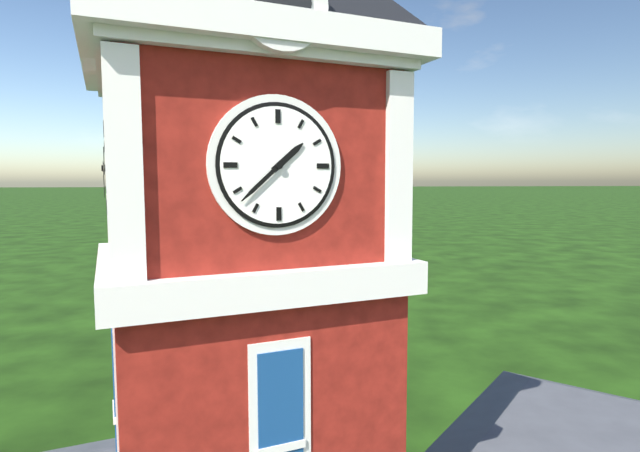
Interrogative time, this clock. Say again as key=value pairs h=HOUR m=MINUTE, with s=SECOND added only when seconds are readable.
h=1 m=38
